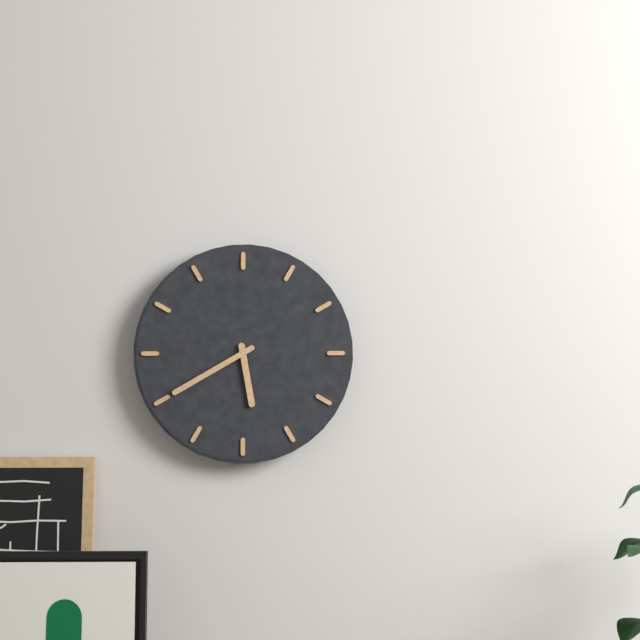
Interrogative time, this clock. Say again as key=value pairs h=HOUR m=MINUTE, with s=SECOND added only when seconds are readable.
h=5 m=40
